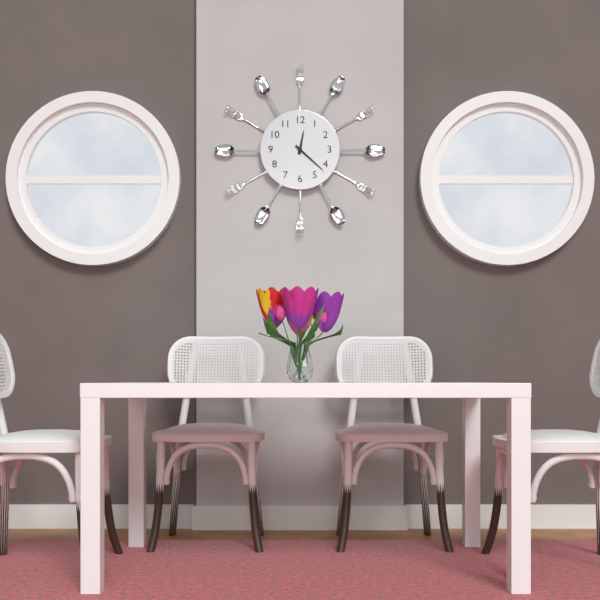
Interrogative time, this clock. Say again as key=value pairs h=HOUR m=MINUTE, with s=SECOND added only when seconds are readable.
h=12 m=22
